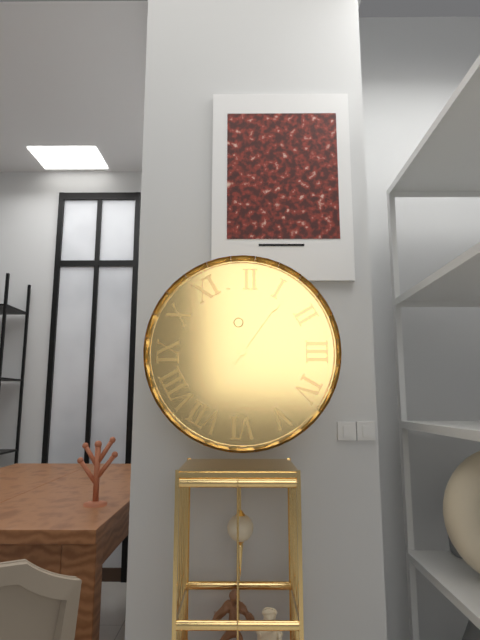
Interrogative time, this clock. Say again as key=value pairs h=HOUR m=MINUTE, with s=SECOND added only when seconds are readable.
h=6 m=6
